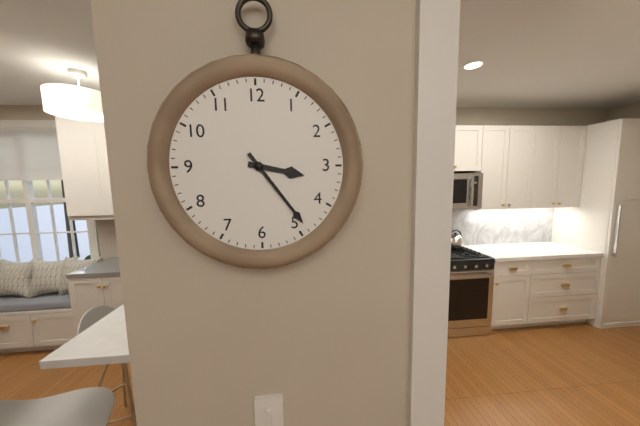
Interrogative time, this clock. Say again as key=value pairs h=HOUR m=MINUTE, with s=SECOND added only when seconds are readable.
h=3 m=24
